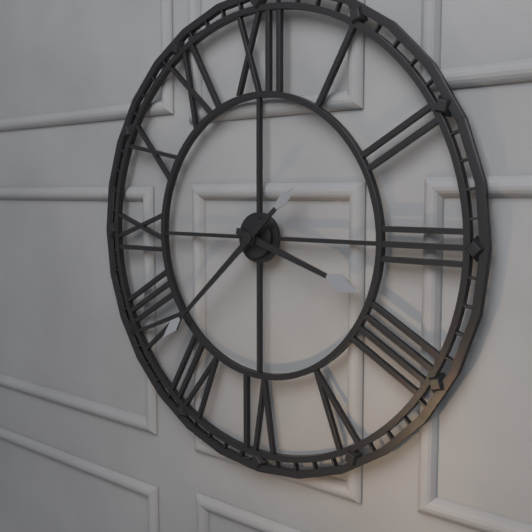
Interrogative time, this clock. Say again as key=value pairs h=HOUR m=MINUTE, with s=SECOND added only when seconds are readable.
h=3 m=38
